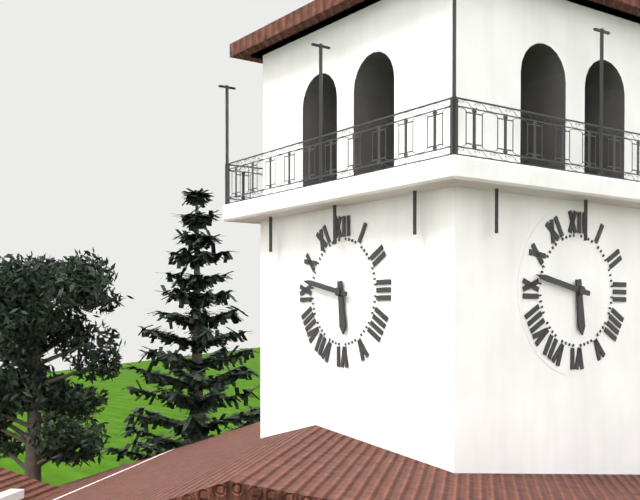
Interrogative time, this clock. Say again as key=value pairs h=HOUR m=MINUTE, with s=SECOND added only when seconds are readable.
h=5 m=47
